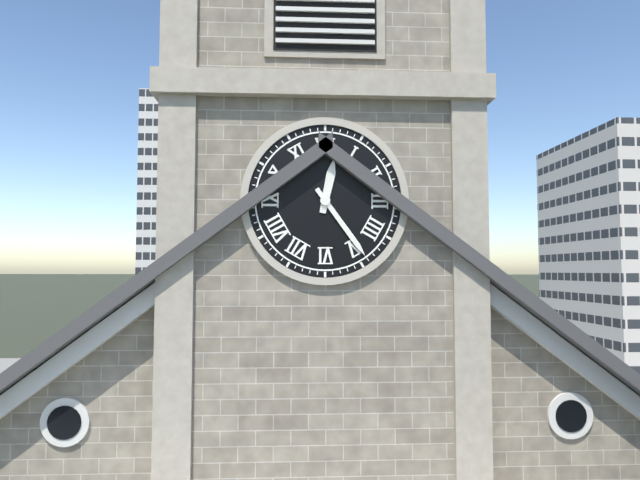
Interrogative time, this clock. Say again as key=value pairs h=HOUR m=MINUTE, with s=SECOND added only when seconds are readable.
h=12 m=24
